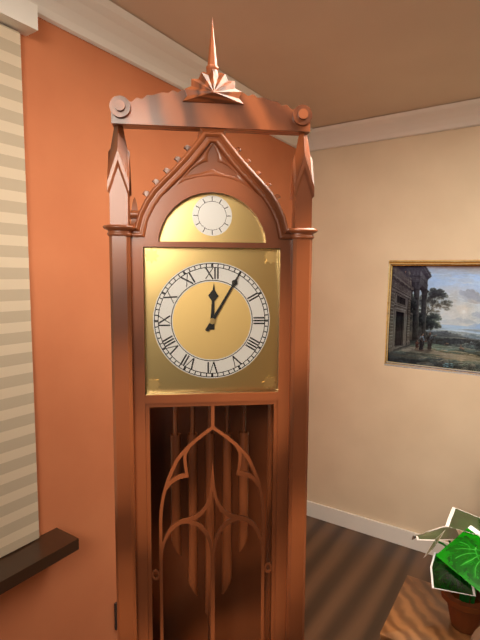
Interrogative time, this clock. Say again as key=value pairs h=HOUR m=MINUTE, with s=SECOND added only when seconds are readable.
h=12 m=5
